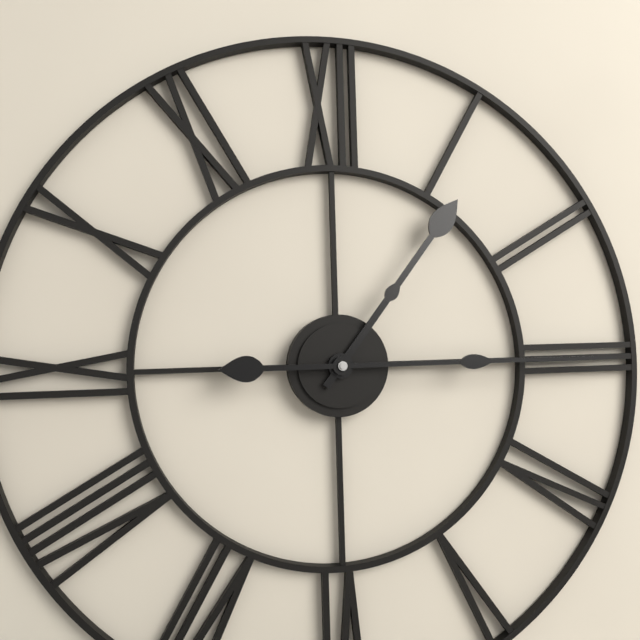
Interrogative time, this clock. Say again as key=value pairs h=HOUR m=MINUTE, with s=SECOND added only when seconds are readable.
h=1 m=15
